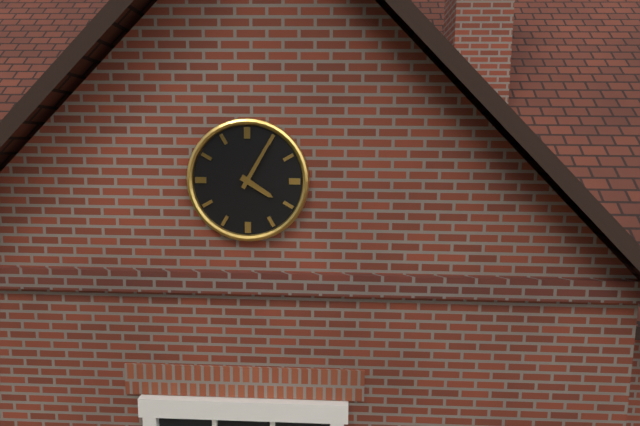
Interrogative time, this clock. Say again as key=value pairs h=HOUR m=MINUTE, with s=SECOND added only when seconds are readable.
h=4 m=5
